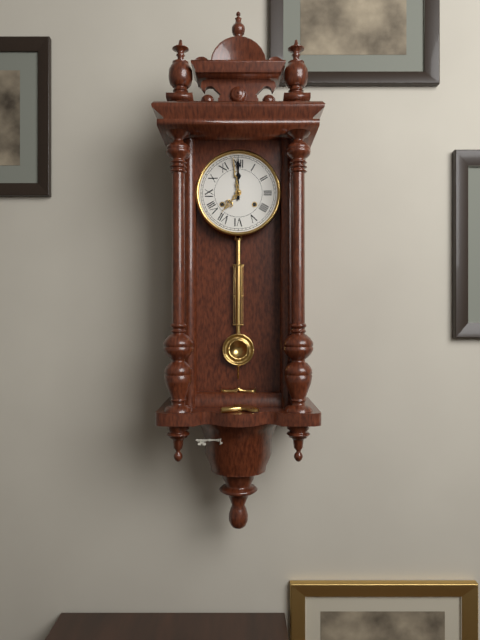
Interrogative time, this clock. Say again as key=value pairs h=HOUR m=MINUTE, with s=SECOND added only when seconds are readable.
h=12 m=0
